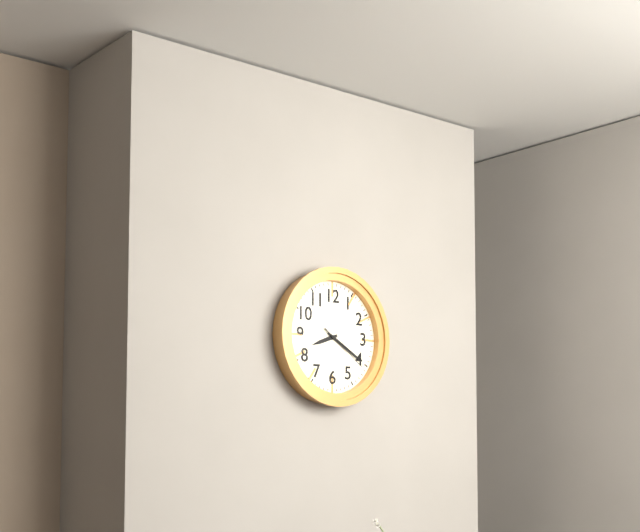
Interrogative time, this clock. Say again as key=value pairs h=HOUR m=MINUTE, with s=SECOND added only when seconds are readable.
h=8 m=20 s=21
